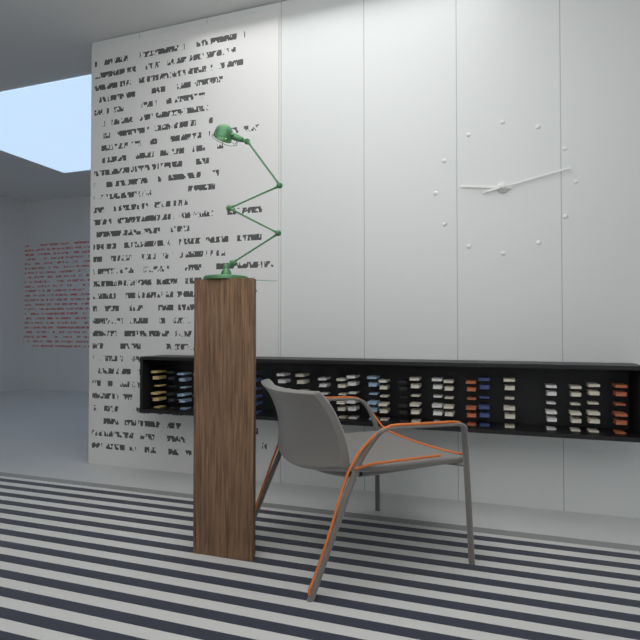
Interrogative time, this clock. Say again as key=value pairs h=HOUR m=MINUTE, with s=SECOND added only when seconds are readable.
h=9 m=13
